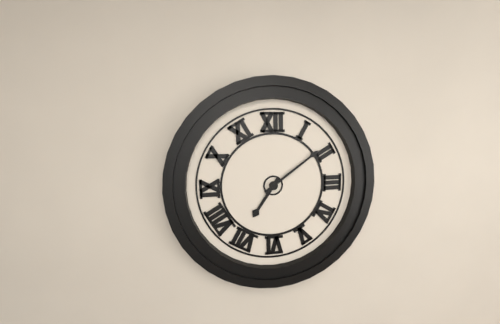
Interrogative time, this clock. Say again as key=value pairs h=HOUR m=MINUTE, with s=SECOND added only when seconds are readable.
h=7 m=9
